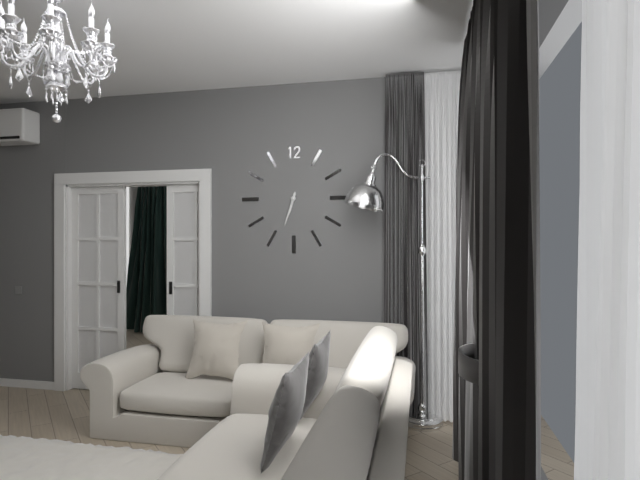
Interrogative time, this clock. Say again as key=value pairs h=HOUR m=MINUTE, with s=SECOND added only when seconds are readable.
h=6 m=33
